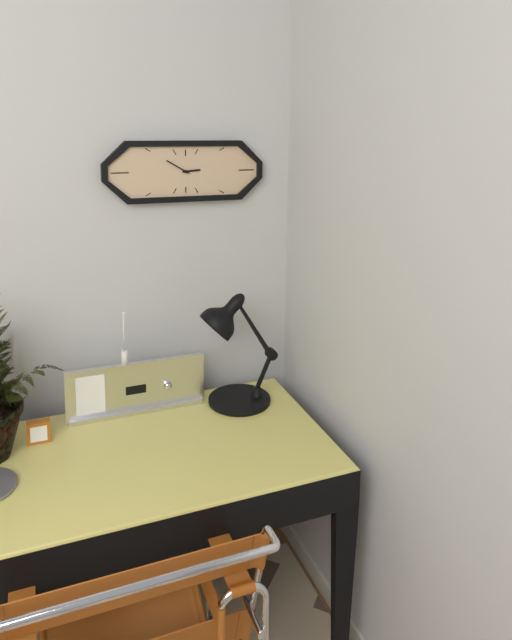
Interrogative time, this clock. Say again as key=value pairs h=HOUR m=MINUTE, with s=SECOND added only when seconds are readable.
h=2 m=50
